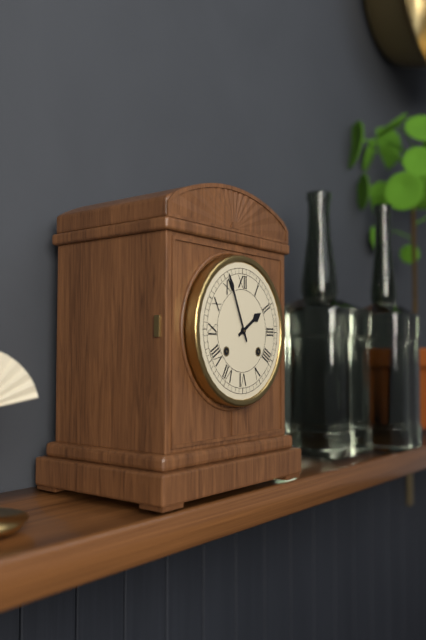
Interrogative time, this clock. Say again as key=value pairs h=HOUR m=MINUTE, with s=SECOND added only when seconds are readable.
h=1 m=56
